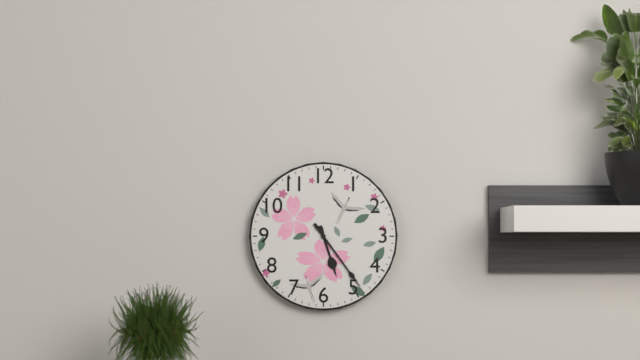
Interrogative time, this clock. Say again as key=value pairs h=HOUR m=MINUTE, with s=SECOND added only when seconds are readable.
h=5 m=24
